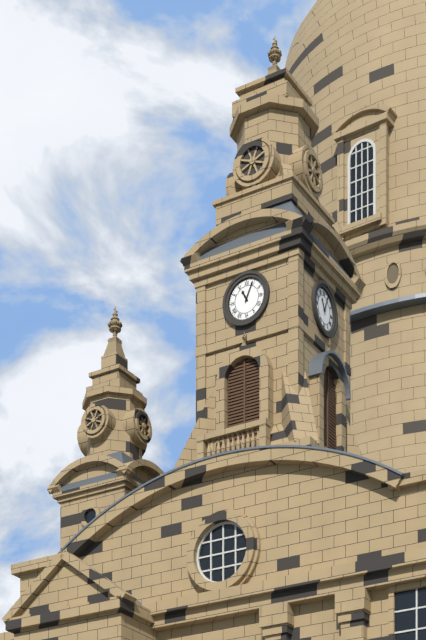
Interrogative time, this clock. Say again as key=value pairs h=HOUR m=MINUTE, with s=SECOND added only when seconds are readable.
h=11 m=4
